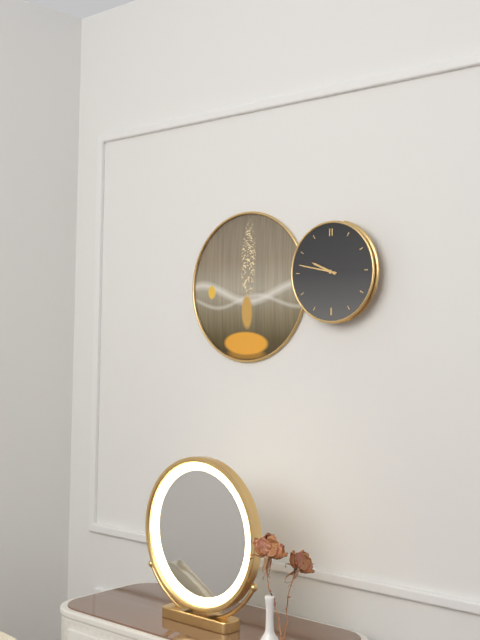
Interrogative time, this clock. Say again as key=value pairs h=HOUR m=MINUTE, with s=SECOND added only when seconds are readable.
h=9 m=47
